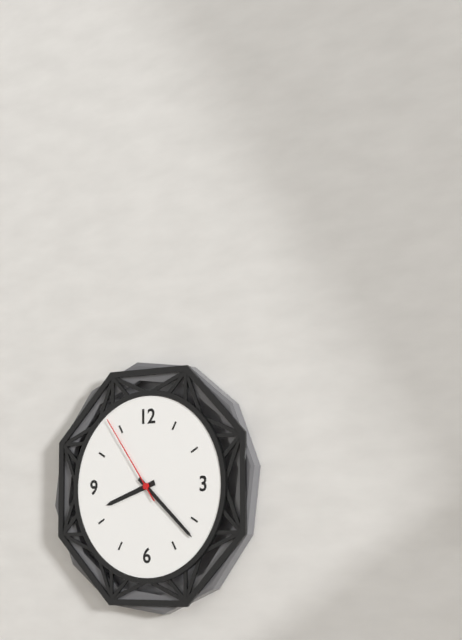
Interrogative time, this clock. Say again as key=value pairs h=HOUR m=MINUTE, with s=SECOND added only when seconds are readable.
h=8 m=22 s=54
